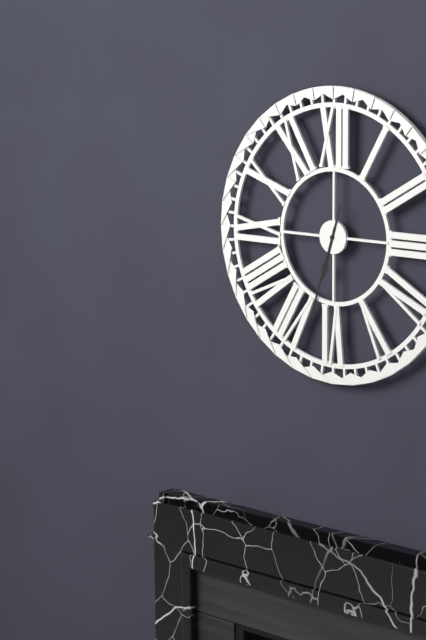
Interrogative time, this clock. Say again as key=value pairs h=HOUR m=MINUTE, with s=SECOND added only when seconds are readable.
h=6 m=33
